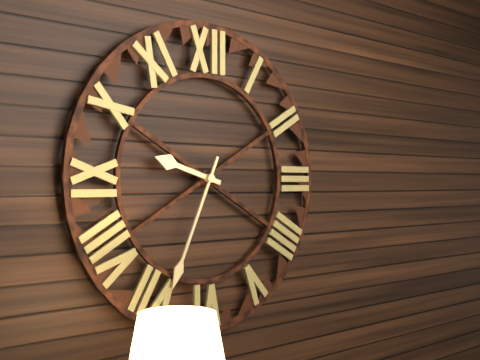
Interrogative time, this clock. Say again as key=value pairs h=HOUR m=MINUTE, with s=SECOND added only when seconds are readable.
h=9 m=34
